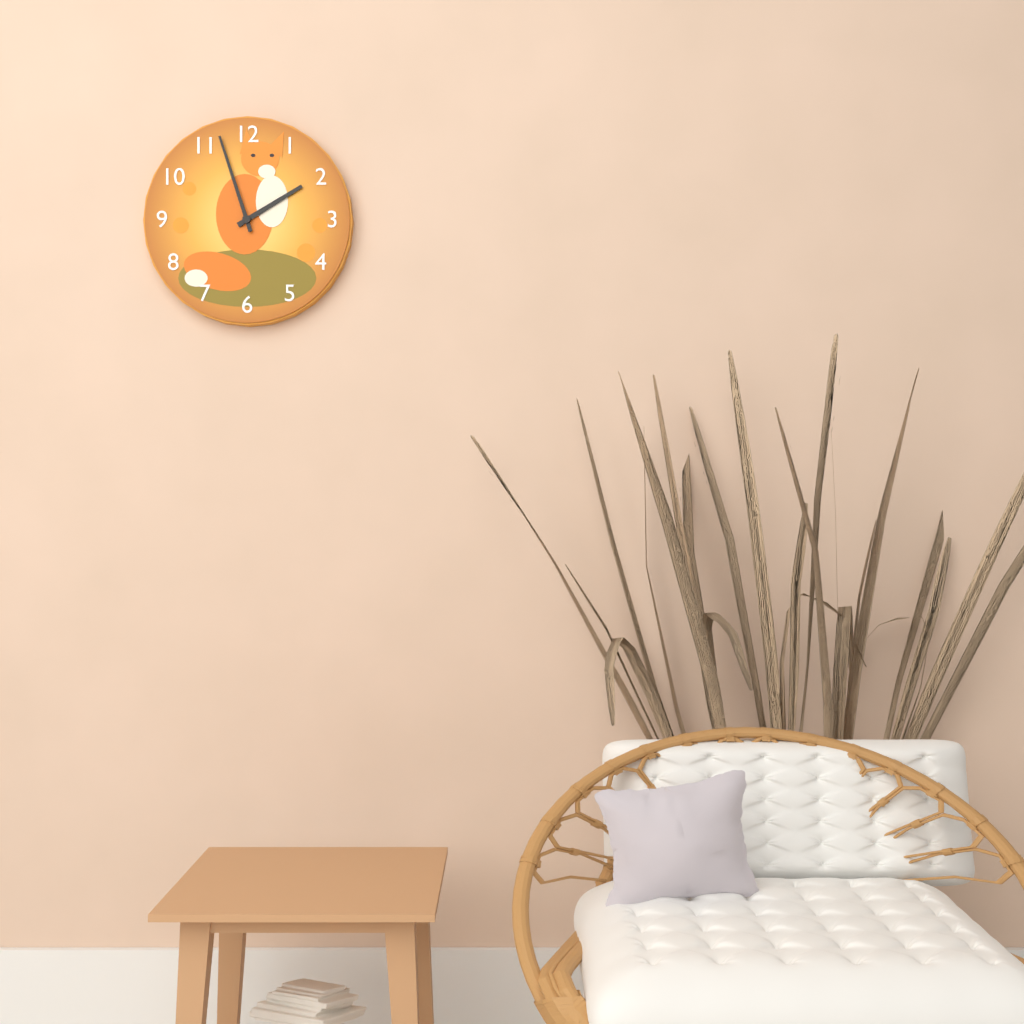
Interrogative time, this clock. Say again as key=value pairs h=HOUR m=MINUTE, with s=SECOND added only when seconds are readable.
h=1 m=57
